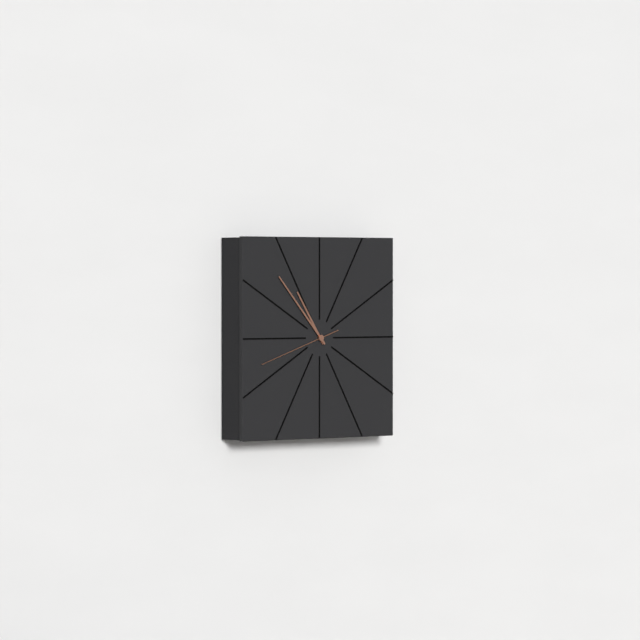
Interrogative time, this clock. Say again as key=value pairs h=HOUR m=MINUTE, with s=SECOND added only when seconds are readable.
h=10 m=53 s=42
